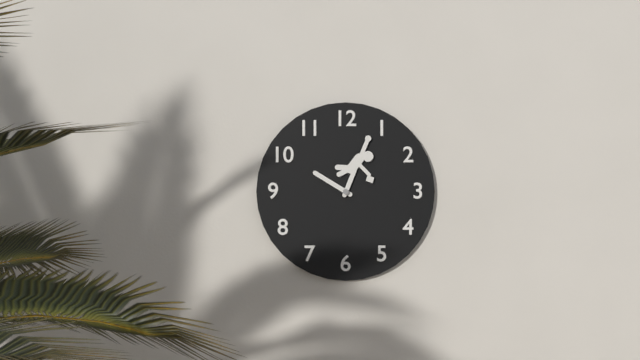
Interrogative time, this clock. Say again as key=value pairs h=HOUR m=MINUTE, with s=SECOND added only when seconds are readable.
h=10 m=3
